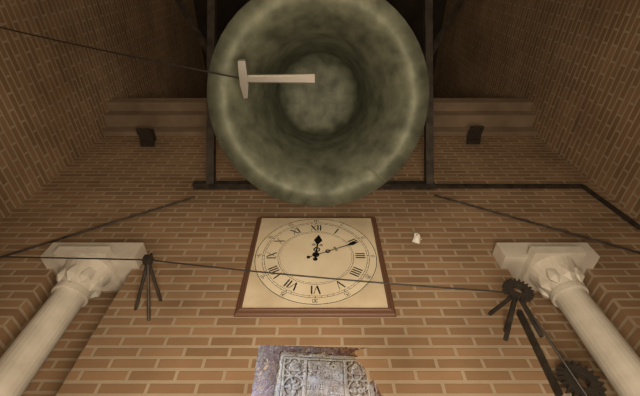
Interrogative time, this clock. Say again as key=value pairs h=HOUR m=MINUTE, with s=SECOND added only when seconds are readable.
h=12 m=11
